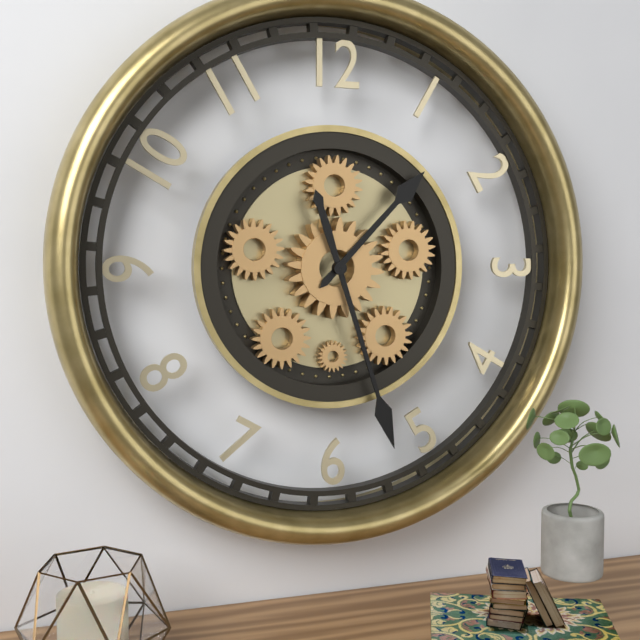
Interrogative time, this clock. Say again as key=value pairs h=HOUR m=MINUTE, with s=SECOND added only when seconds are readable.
h=1 m=27
